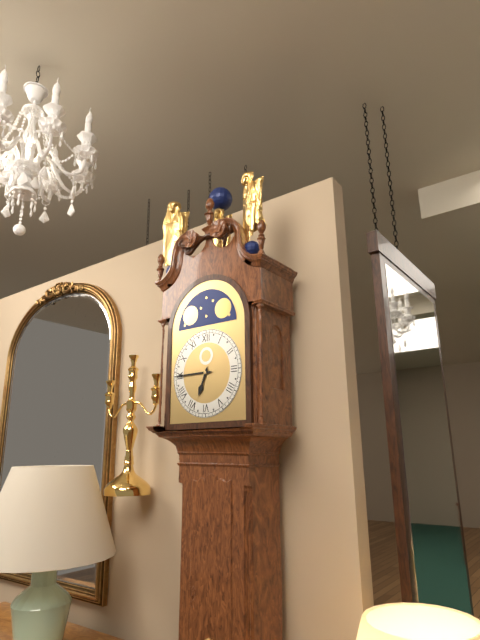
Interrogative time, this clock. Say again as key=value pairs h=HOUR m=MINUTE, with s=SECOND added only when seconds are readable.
h=6 m=45
